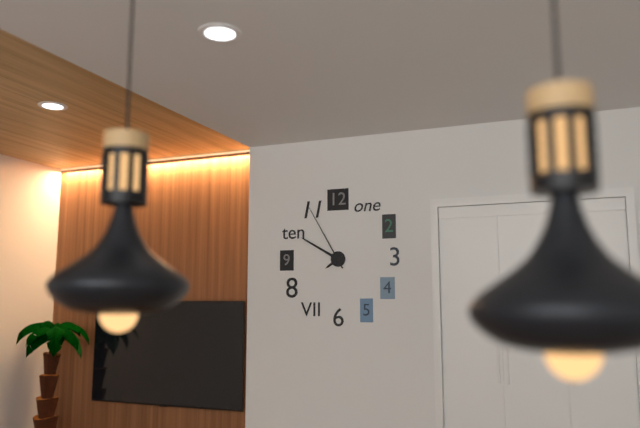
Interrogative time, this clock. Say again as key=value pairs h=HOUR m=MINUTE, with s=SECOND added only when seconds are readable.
h=7 m=50 s=55
